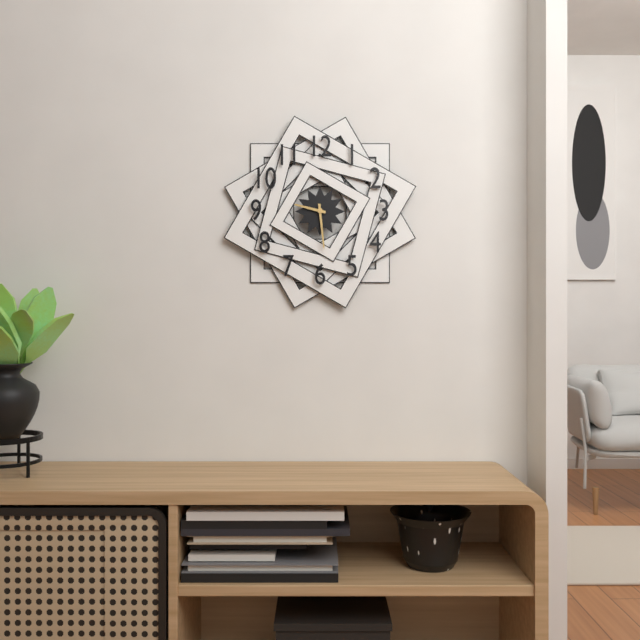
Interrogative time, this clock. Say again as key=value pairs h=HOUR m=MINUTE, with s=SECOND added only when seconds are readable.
h=9 m=29
